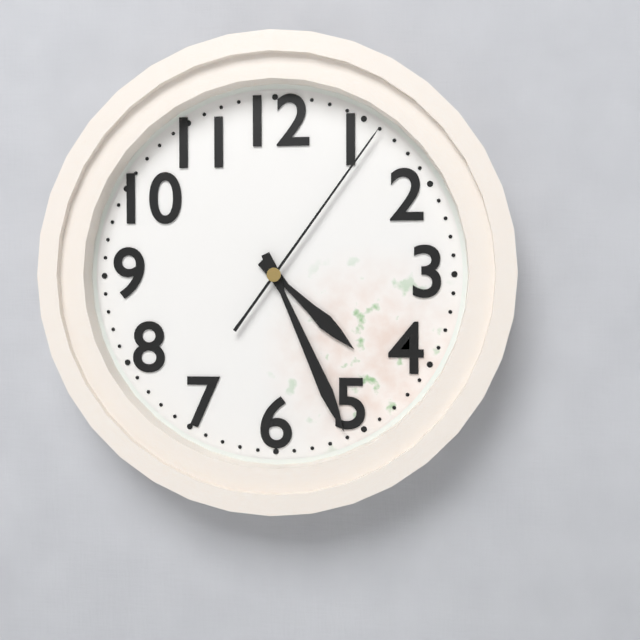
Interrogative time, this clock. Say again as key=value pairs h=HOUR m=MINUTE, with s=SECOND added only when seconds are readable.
h=4 m=26 s=6
